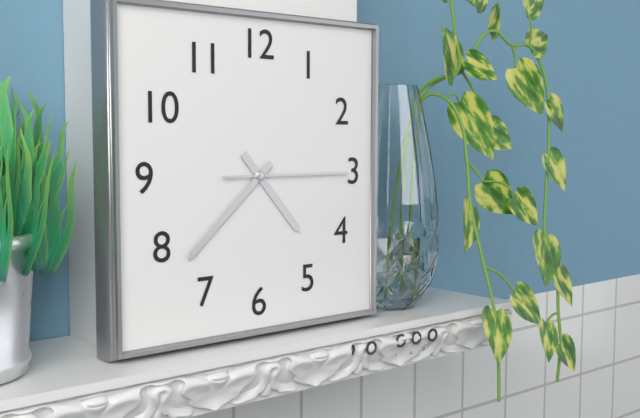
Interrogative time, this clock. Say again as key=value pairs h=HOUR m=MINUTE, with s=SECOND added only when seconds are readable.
h=4 m=38 s=15
